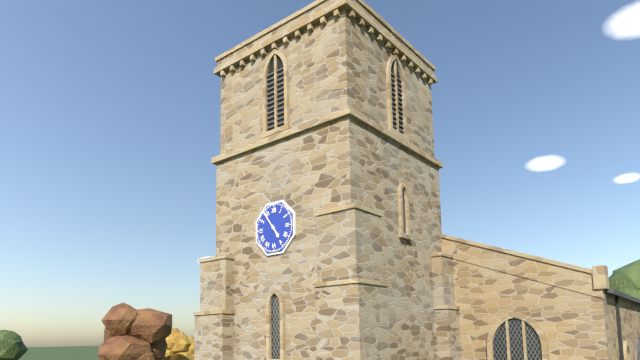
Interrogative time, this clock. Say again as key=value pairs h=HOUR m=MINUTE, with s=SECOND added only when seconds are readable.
h=4 m=54
